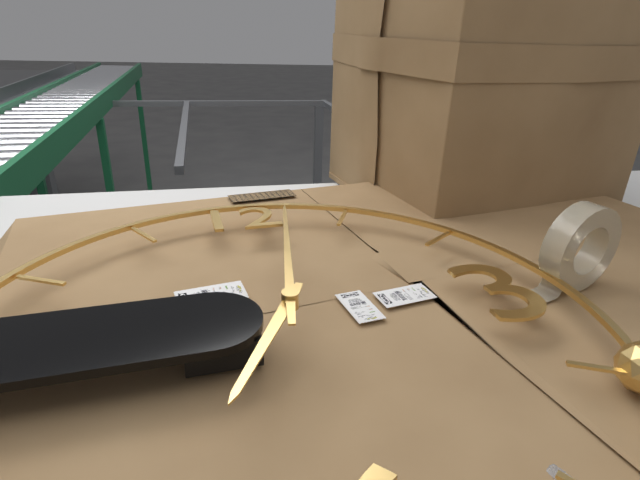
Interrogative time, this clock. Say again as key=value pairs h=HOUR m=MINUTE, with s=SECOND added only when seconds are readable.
h=7 m=2
